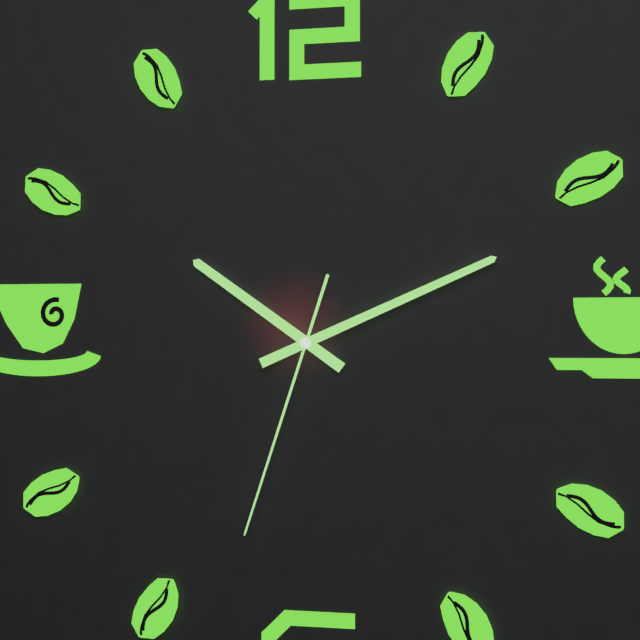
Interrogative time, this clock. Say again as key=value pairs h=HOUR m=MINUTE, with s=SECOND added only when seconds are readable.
h=10 m=11 s=33
